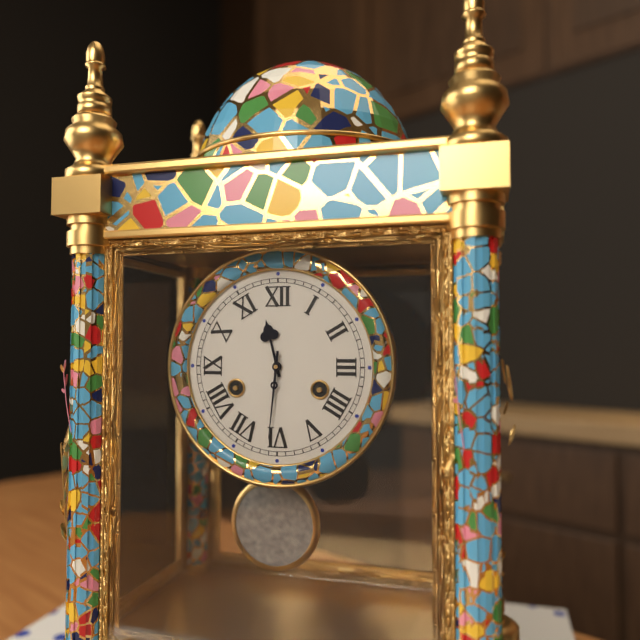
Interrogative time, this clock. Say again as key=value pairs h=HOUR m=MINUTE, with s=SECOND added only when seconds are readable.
h=11 m=31
